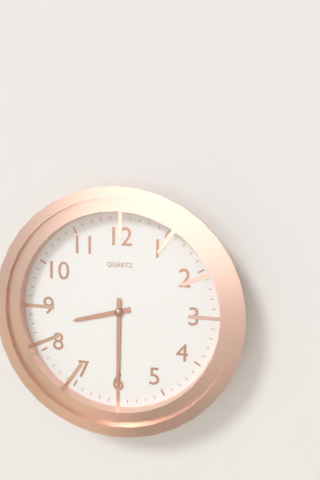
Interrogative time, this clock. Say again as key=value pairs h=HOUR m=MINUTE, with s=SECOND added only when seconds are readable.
h=8 m=30
